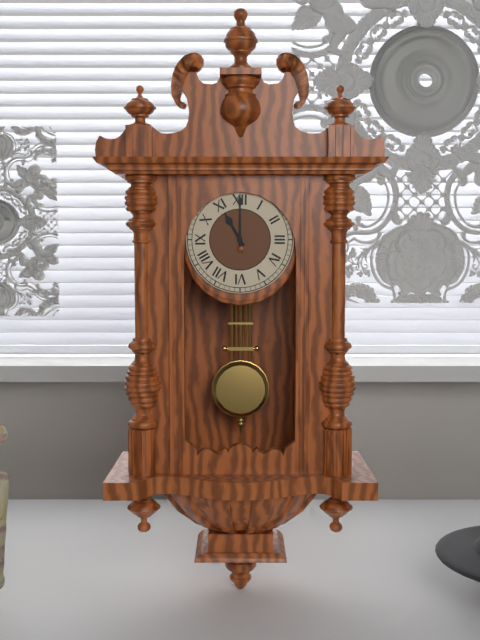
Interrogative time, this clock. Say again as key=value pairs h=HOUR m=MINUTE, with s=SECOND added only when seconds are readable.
h=11 m=0
